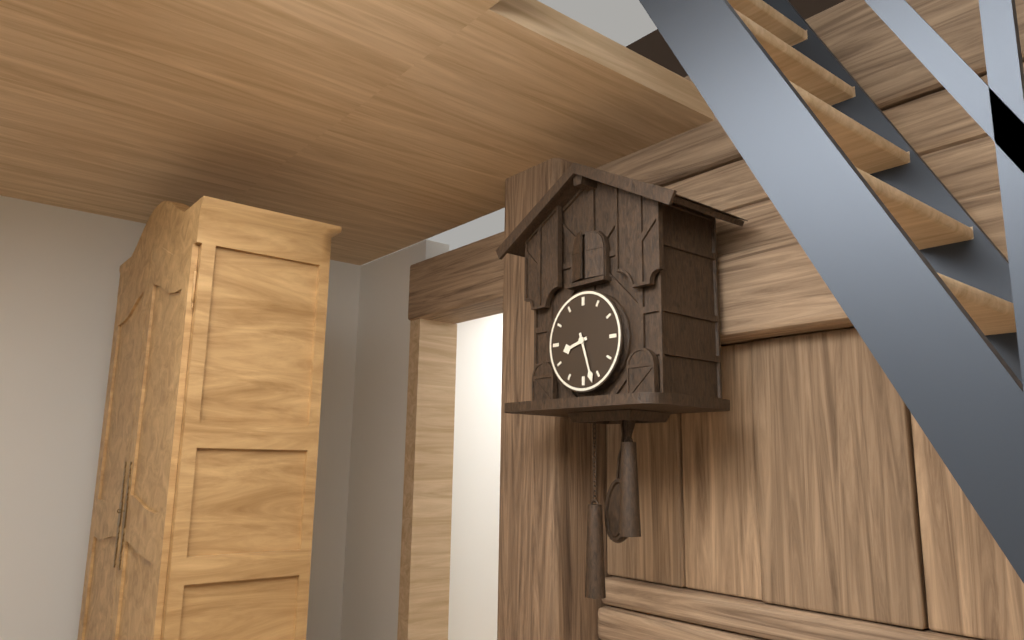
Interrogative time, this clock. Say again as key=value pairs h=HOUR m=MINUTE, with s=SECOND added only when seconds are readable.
h=8 m=27
